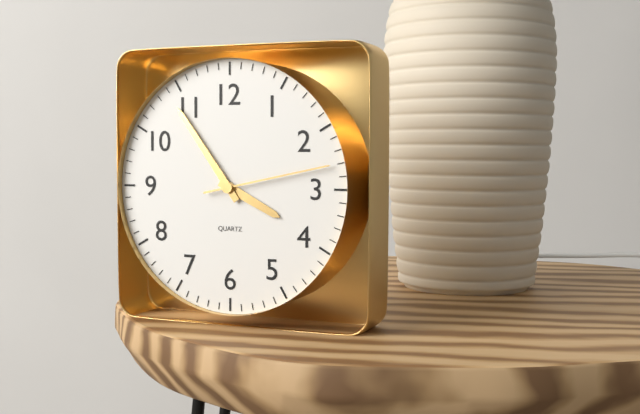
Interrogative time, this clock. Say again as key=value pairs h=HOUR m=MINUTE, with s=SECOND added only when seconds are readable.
h=3 m=54 s=13
